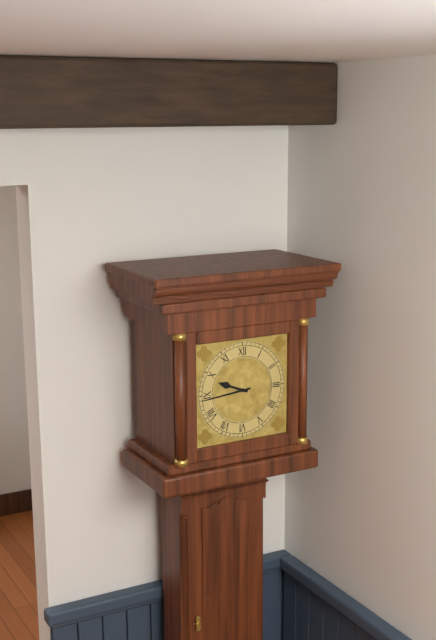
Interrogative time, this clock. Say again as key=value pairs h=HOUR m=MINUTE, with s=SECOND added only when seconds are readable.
h=9 m=44
